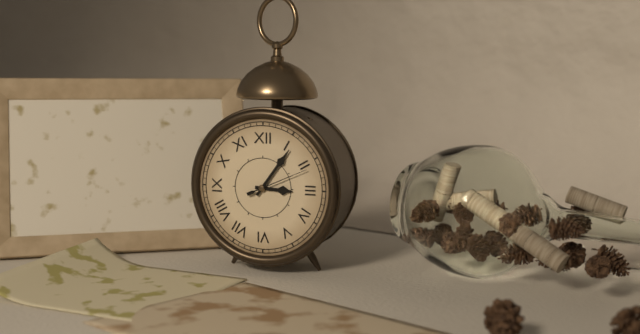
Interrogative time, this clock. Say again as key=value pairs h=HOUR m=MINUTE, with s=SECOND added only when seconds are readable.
h=3 m=6 s=11
